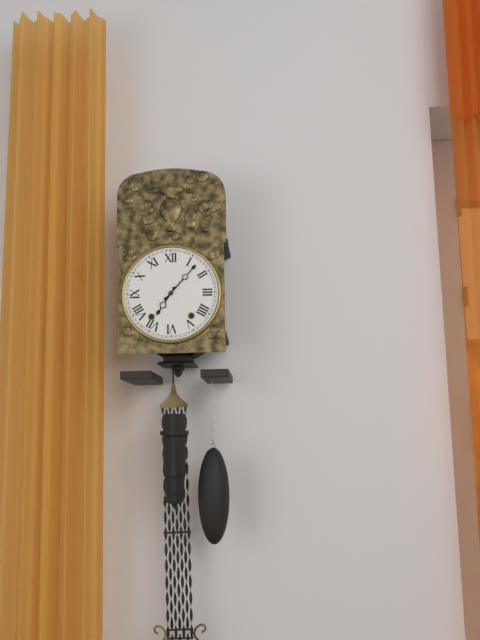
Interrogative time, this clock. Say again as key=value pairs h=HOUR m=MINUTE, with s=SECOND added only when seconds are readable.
h=7 m=7
